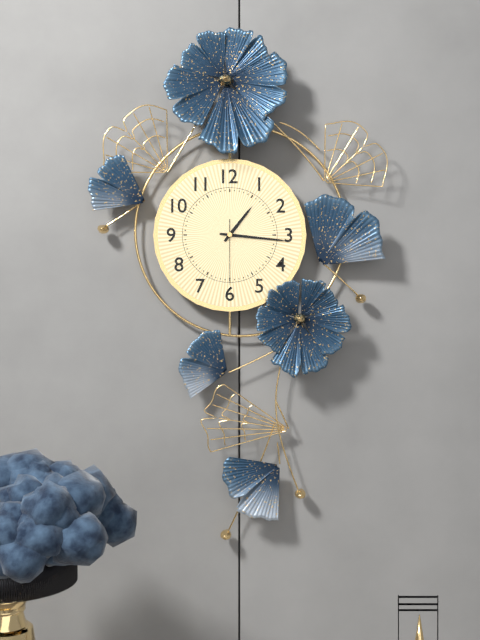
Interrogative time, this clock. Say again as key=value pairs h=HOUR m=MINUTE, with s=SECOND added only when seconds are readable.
h=1 m=16 s=30
